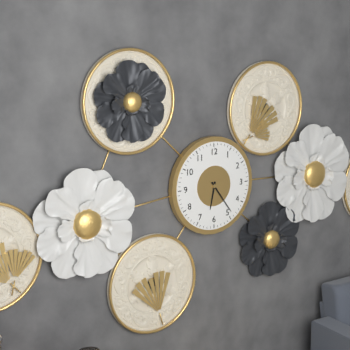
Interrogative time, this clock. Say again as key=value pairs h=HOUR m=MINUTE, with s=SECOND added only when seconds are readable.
h=6 m=24
